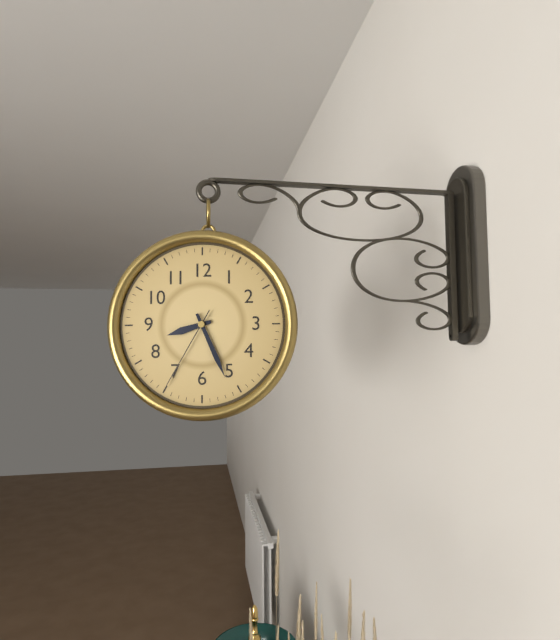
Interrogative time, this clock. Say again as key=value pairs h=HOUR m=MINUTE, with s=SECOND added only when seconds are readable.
h=8 m=26 s=35
